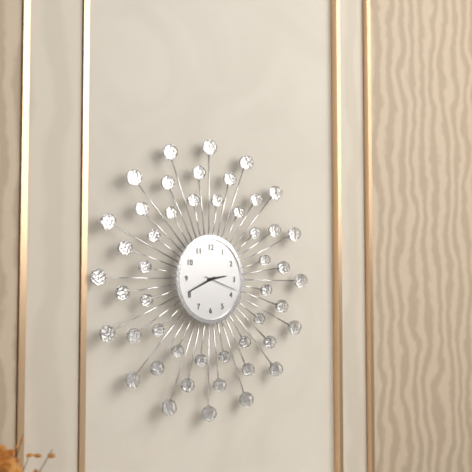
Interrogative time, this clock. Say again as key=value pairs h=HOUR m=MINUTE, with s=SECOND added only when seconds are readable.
h=2 m=41
